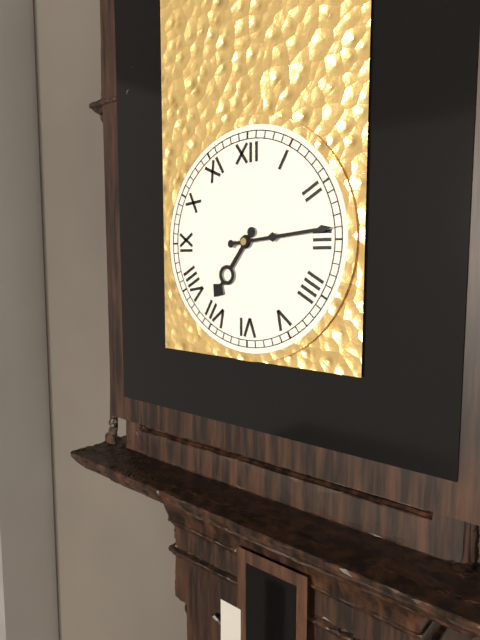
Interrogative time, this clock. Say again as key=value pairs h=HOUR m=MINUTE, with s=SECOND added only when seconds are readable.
h=7 m=14
